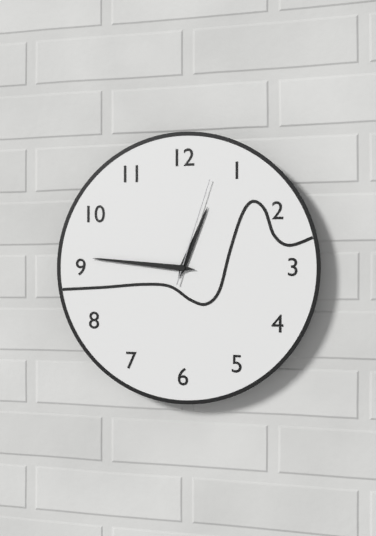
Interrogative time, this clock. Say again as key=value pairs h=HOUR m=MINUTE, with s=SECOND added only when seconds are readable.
h=12 m=46 s=3
